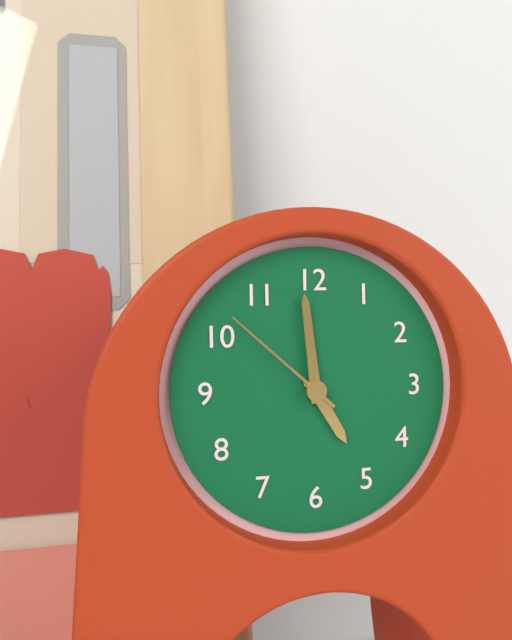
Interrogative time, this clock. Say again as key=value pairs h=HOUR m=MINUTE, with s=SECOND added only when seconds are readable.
h=4 m=59 s=52
